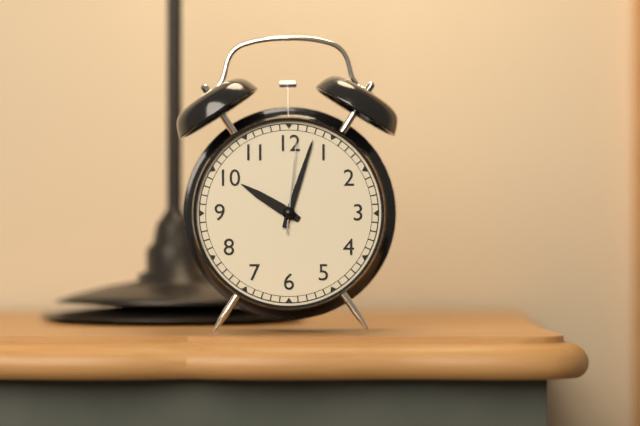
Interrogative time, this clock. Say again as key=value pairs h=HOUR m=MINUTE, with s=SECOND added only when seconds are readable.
h=10 m=3 s=1
